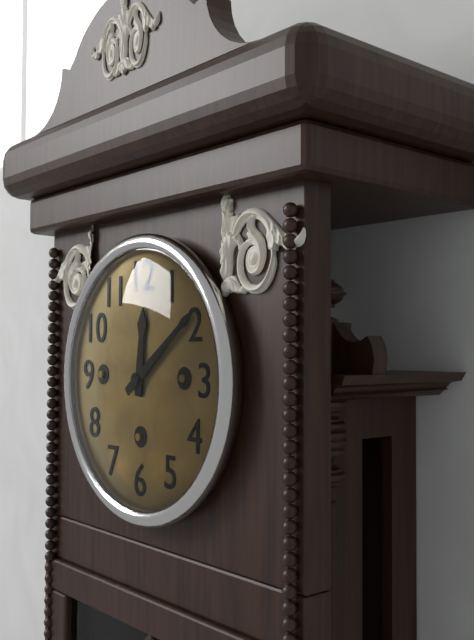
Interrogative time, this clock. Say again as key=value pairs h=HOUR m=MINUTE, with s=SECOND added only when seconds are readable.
h=12 m=9
